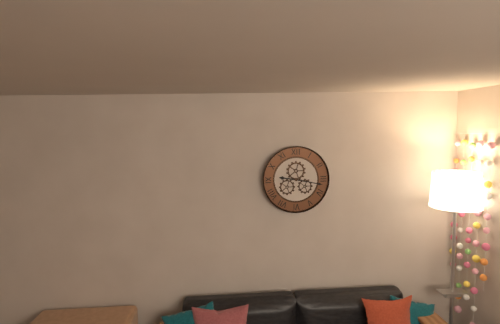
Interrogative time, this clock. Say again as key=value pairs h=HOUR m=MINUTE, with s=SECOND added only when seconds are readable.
h=9 m=17
